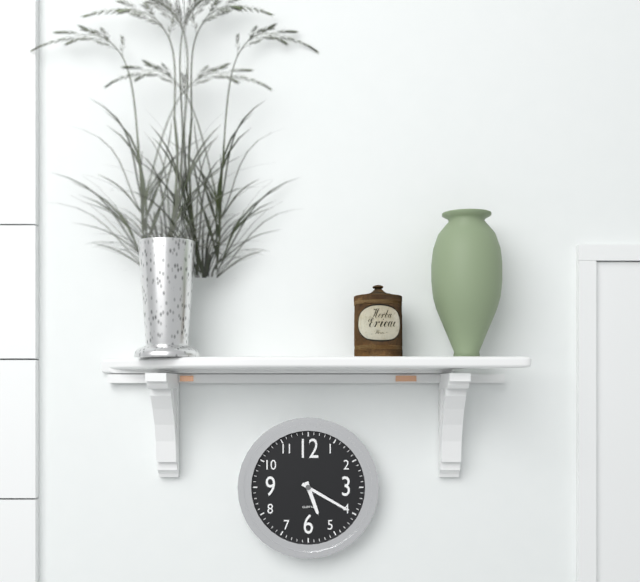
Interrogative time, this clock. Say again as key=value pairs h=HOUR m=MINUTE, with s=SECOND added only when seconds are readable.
h=5 m=20
